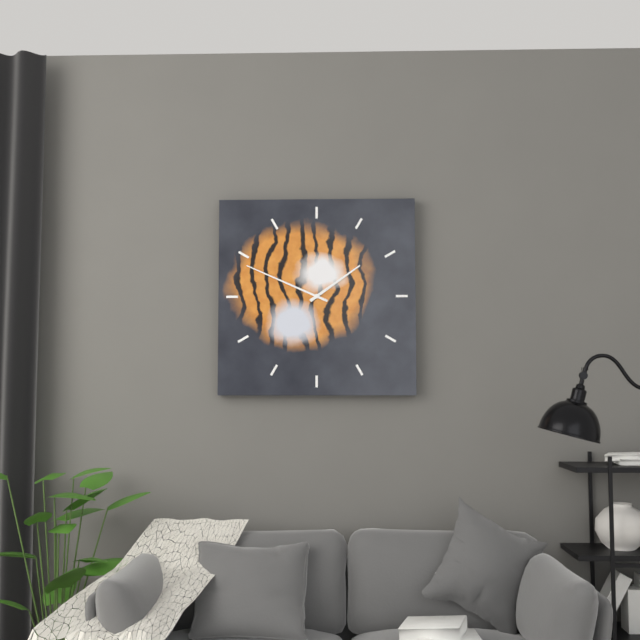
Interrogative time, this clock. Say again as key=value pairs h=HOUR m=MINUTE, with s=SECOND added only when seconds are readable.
h=1 m=49
